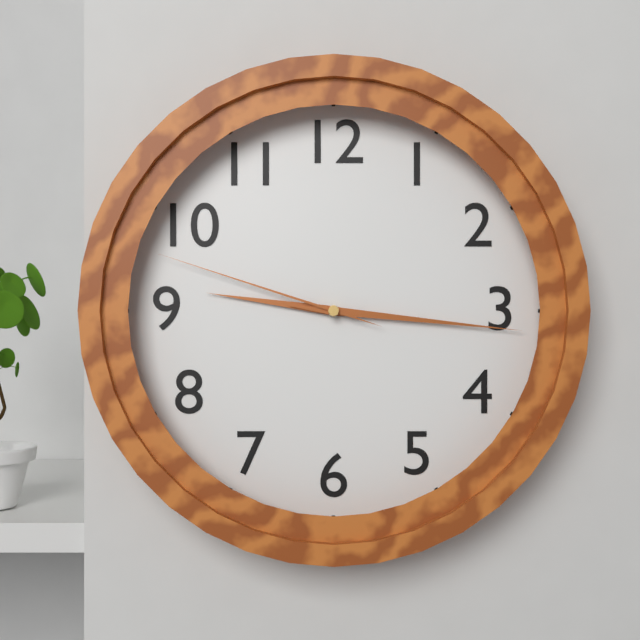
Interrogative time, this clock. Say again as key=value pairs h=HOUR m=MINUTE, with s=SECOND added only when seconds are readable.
h=9 m=16 s=48
